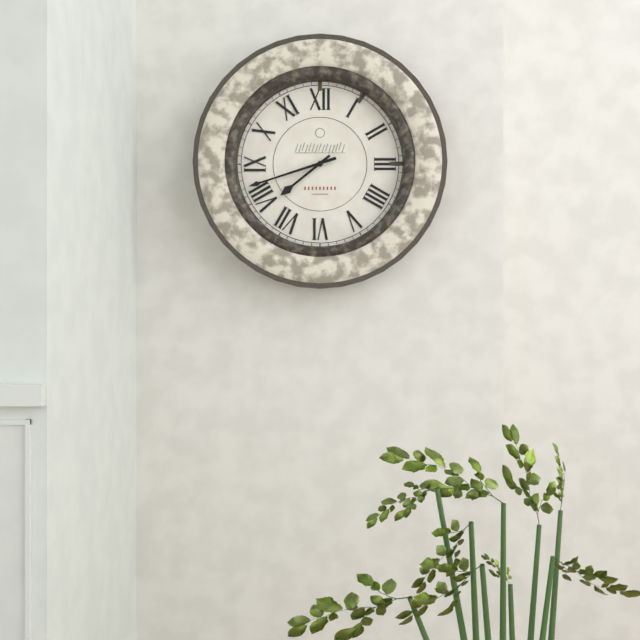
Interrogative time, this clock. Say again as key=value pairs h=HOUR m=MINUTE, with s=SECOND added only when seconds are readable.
h=7 m=42
